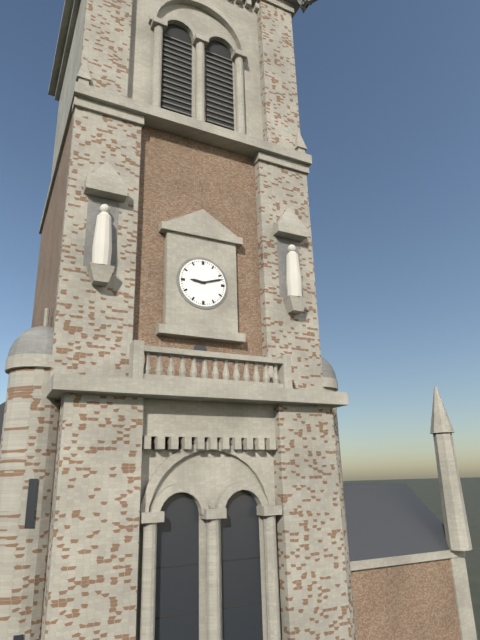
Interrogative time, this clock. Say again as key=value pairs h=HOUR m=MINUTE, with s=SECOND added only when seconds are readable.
h=9 m=12
